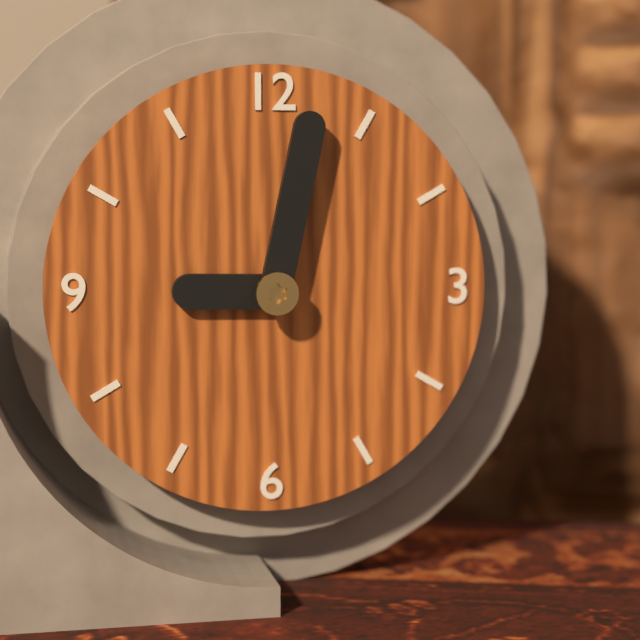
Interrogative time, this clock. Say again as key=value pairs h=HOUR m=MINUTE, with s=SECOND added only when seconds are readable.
h=9 m=2
